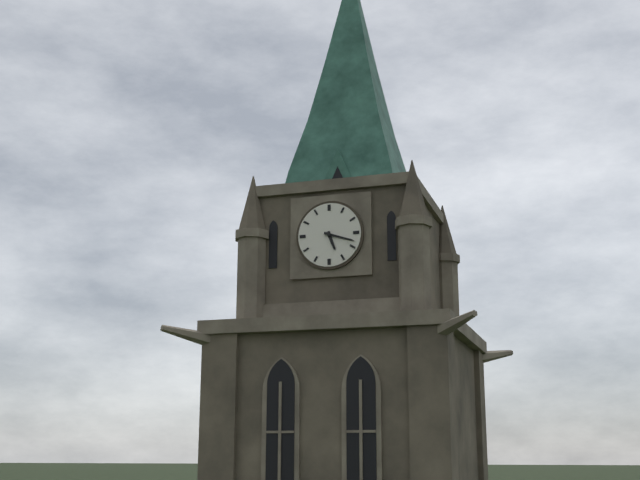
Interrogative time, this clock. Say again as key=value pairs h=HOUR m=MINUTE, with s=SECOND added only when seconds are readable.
h=5 m=18
